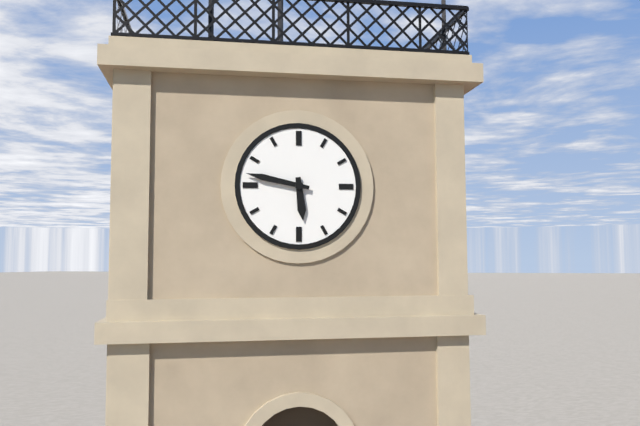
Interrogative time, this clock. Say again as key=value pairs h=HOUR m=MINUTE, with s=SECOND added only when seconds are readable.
h=5 m=47
